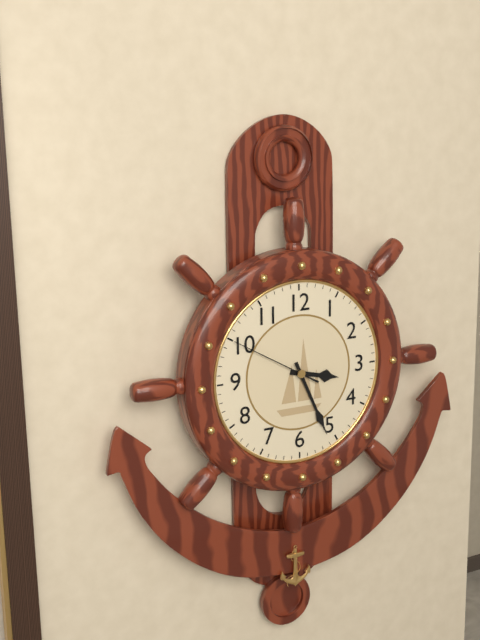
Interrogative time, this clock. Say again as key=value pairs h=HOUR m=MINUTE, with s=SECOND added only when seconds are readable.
h=3 m=26 s=50
